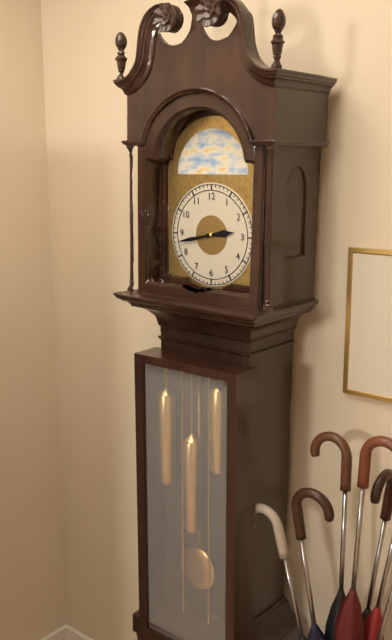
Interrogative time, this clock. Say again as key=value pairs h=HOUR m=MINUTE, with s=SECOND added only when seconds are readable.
h=2 m=43
